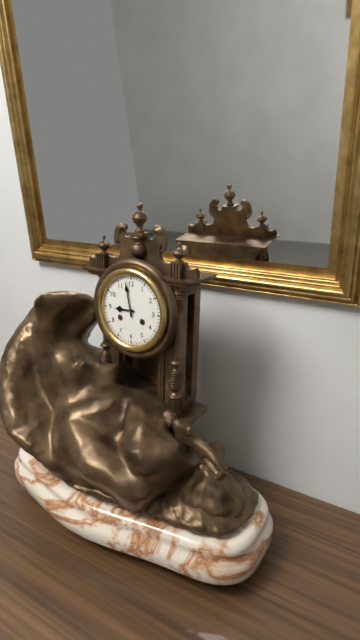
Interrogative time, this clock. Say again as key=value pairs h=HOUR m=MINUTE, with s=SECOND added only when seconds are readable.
h=8 m=58
